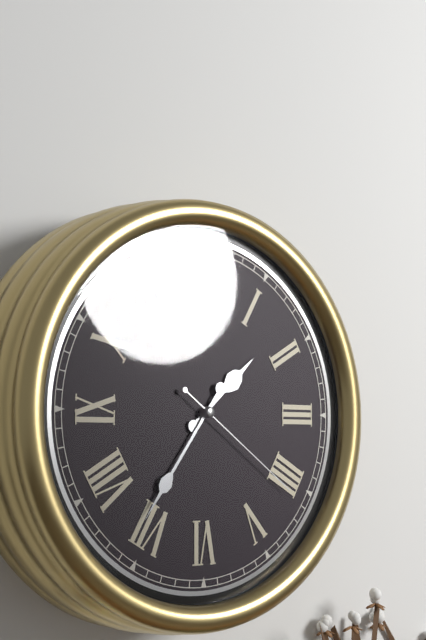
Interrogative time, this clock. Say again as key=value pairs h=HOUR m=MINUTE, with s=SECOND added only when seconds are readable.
h=1 m=36 s=21
